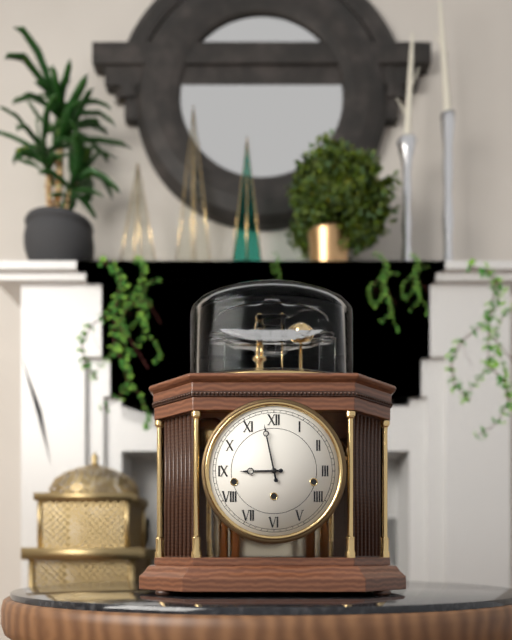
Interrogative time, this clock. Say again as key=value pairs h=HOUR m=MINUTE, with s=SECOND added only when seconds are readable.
h=8 m=58
